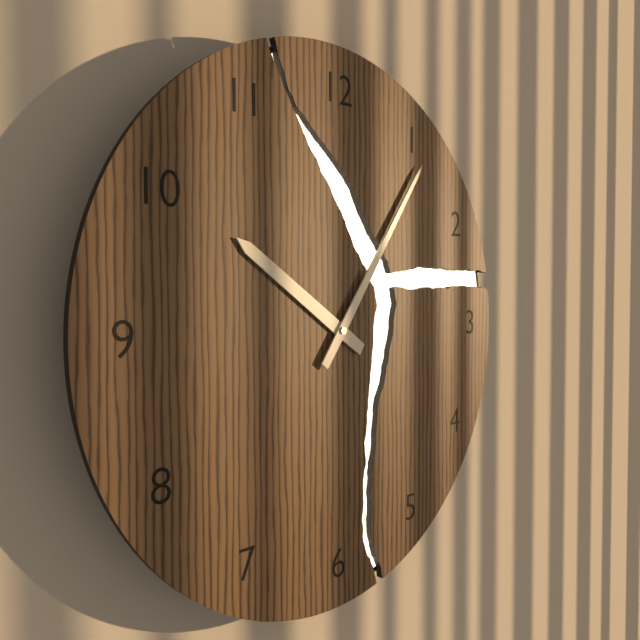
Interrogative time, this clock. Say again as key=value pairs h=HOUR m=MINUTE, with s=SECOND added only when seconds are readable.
h=10 m=6
